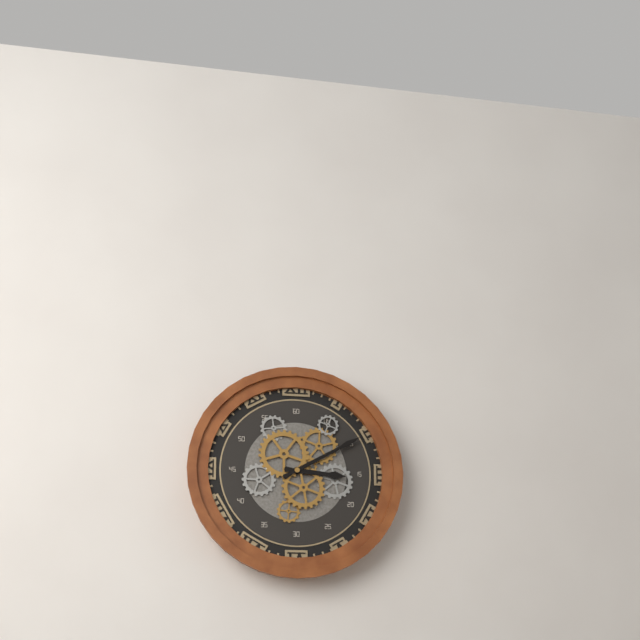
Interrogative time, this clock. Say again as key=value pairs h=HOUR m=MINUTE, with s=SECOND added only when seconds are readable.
h=3 m=10
